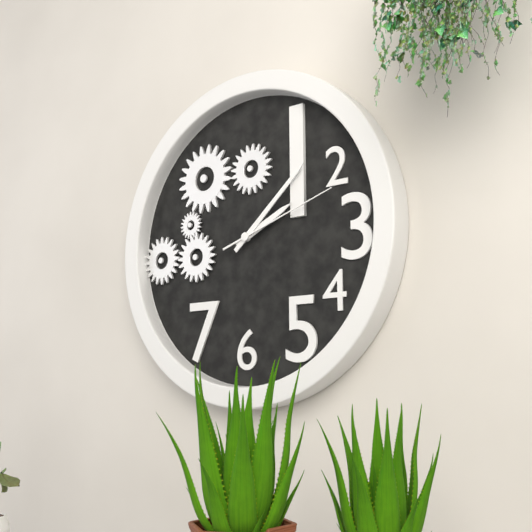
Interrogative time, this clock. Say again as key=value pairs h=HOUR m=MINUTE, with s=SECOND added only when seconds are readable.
h=2 m=8 s=12
